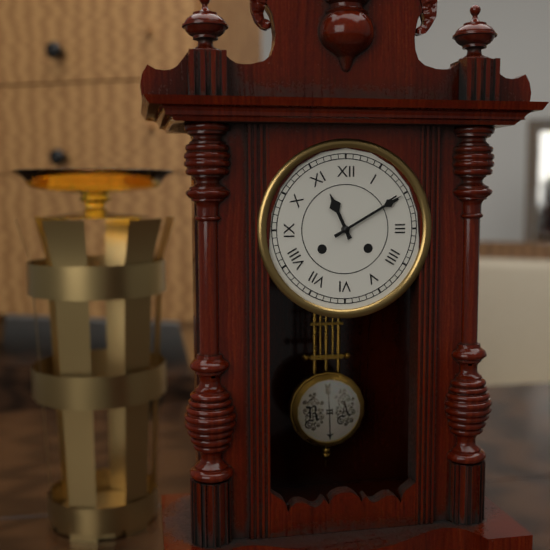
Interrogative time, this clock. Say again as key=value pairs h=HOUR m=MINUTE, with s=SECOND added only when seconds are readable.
h=11 m=10
